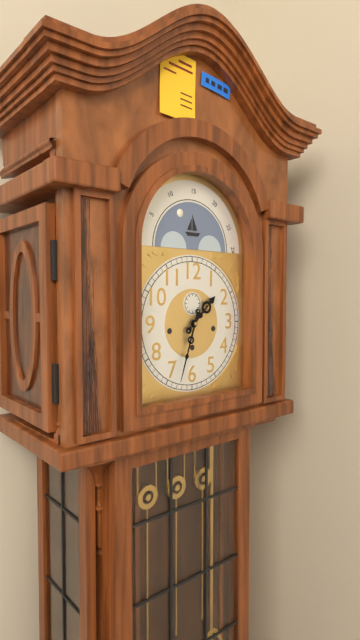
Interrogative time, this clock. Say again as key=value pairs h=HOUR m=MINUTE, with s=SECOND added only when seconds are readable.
h=1 m=33
